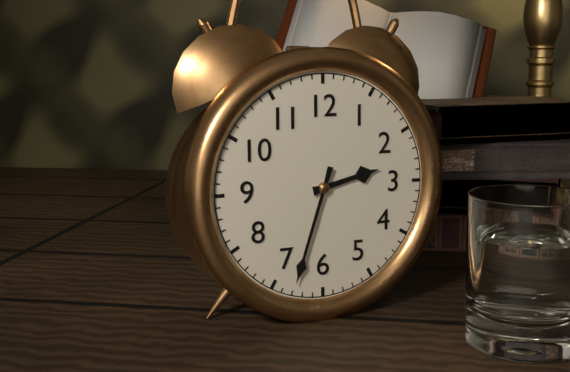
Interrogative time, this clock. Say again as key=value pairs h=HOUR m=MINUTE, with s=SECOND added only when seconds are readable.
h=2 m=33
